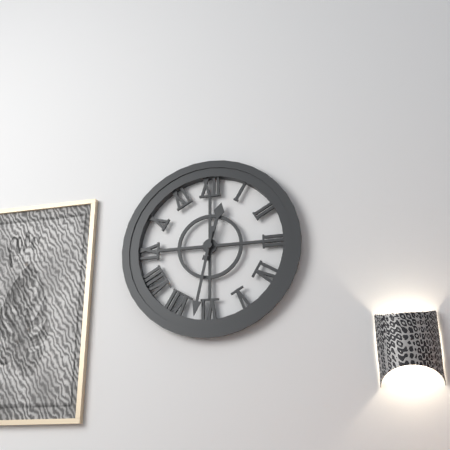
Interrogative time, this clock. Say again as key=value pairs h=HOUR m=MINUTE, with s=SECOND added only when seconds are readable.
h=12 m=32
